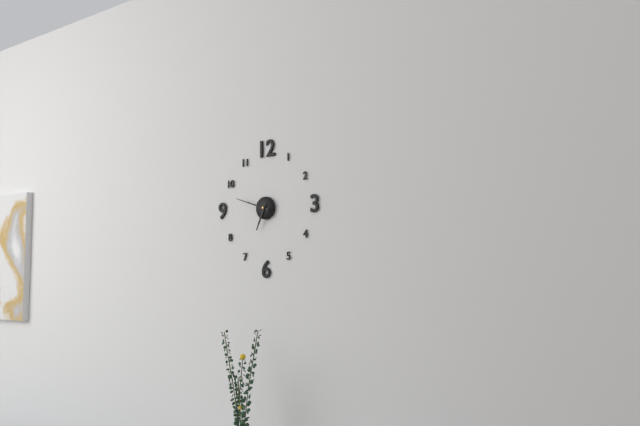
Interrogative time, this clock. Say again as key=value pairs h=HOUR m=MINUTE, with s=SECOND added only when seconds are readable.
h=6 m=48
